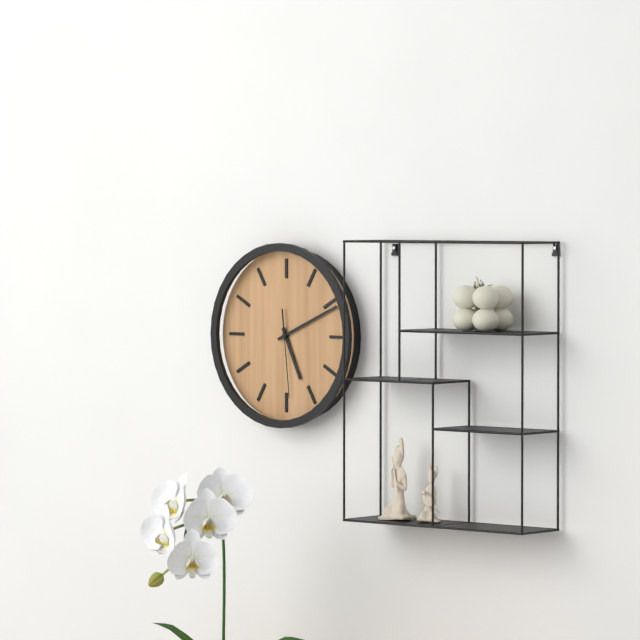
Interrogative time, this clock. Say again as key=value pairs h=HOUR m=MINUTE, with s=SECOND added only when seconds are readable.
h=5 m=11 s=29
